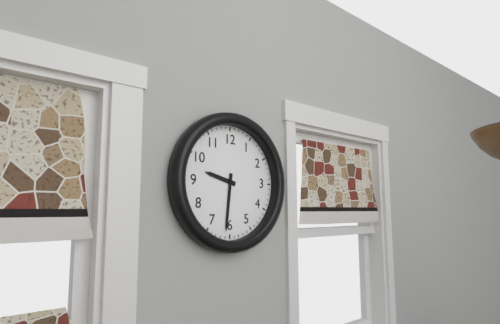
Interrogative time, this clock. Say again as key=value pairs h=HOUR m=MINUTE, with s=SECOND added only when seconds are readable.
h=9 m=31
